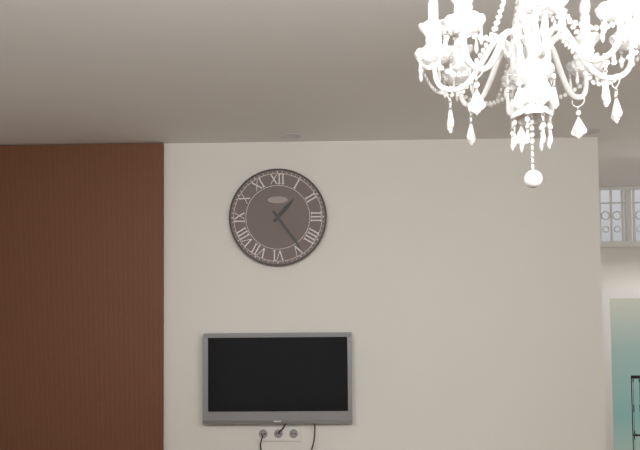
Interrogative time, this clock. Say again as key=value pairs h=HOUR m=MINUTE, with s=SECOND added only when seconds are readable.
h=1 m=24
